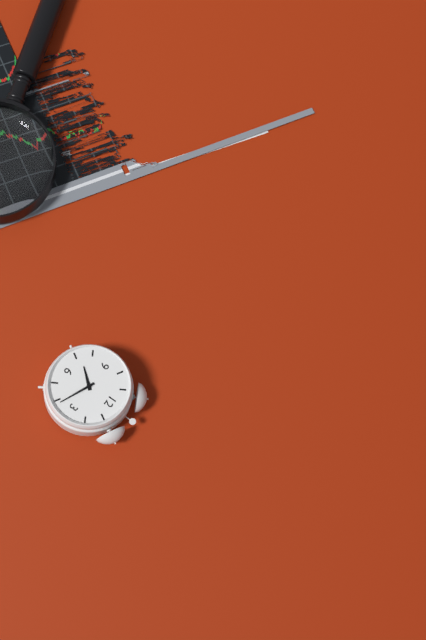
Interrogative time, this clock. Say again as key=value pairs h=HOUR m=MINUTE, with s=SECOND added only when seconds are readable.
h=7 m=19
